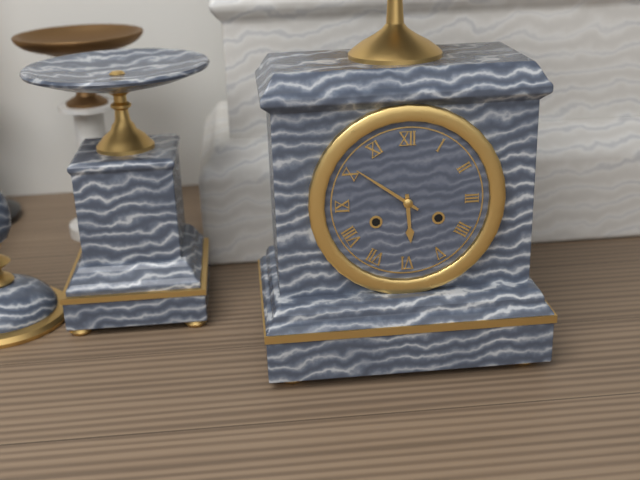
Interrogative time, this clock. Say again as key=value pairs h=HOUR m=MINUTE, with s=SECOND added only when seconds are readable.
h=5 m=51
